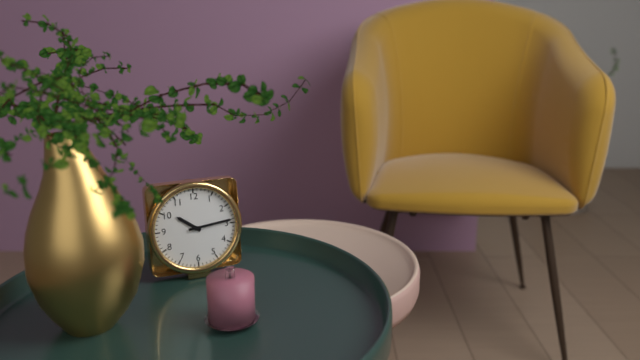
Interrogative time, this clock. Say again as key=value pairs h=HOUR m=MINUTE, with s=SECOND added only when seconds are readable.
h=10 m=14
